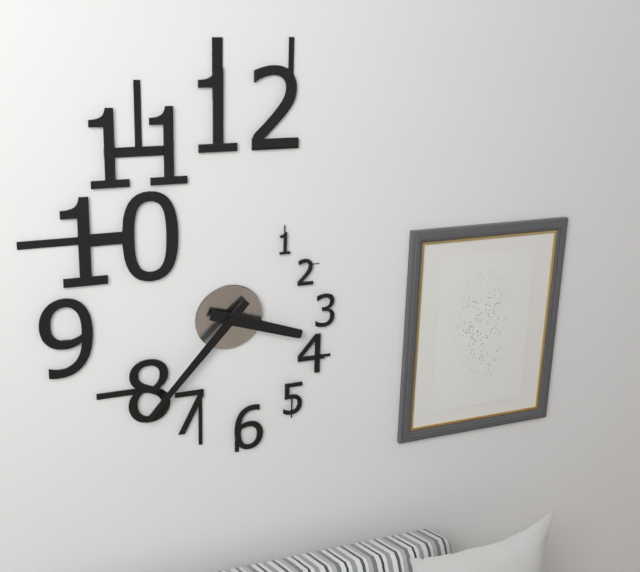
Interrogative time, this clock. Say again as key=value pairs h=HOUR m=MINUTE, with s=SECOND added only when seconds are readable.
h=3 m=37
